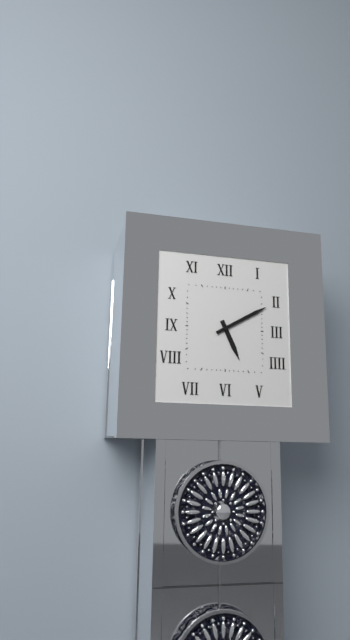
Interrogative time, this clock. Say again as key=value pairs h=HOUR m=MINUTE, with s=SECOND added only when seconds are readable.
h=5 m=10
